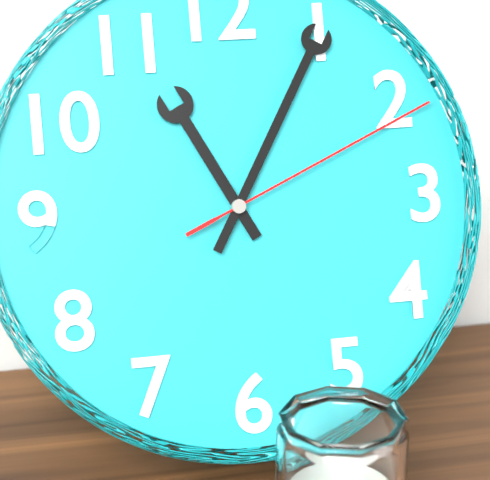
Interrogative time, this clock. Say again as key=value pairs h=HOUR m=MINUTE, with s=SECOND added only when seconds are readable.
h=11 m=5 s=11
